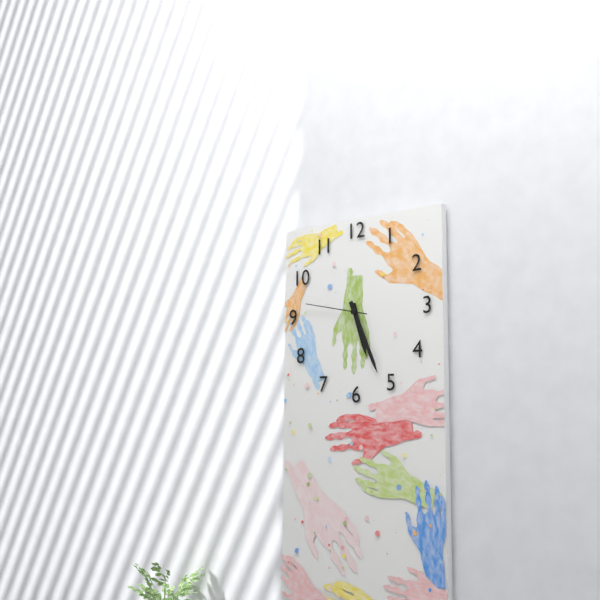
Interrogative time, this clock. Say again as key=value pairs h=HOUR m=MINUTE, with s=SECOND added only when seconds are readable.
h=5 m=26 s=47
